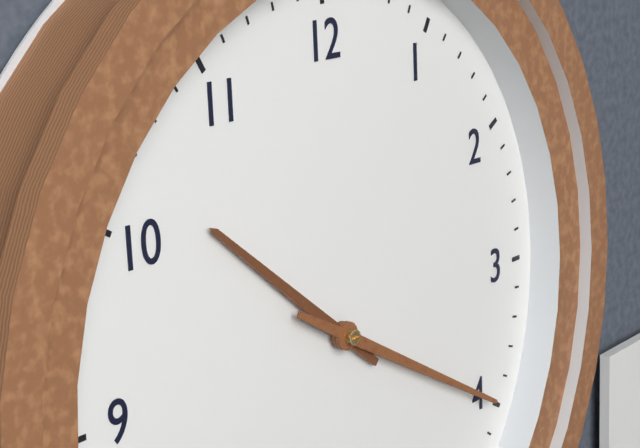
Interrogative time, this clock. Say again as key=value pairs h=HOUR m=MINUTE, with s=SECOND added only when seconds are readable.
h=10 m=20
